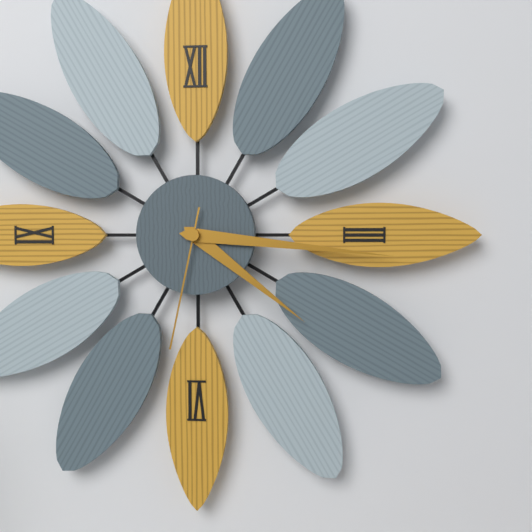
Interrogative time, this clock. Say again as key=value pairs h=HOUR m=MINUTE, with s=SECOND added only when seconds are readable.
h=4 m=16 s=32
